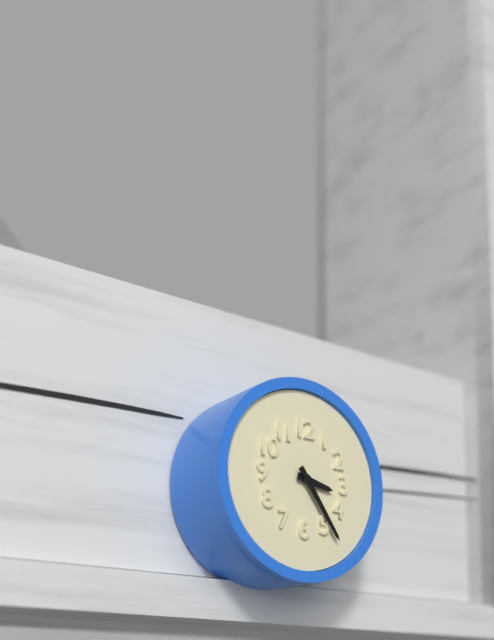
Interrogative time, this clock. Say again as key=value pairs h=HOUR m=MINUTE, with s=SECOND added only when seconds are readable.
h=3 m=24
